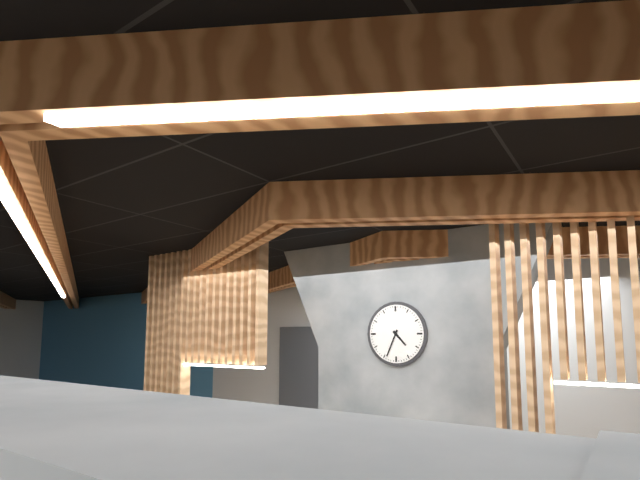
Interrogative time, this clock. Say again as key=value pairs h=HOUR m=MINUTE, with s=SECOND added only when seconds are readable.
h=4 m=34
